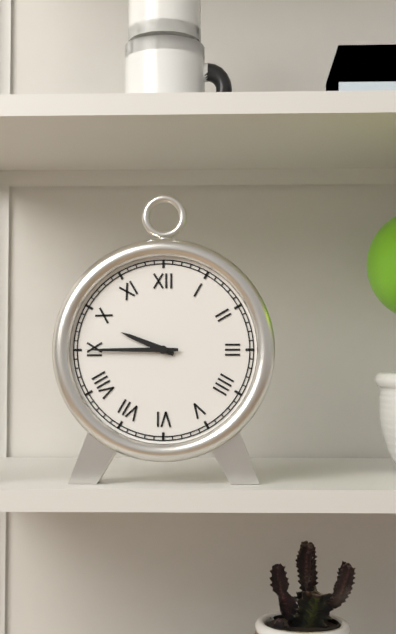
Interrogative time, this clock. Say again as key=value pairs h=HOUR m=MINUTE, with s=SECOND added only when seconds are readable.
h=9 m=45
